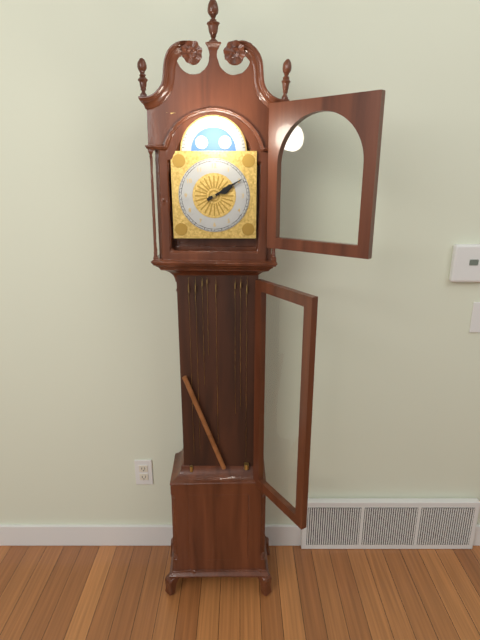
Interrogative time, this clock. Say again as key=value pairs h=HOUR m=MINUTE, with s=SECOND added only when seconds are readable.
h=2 m=10
